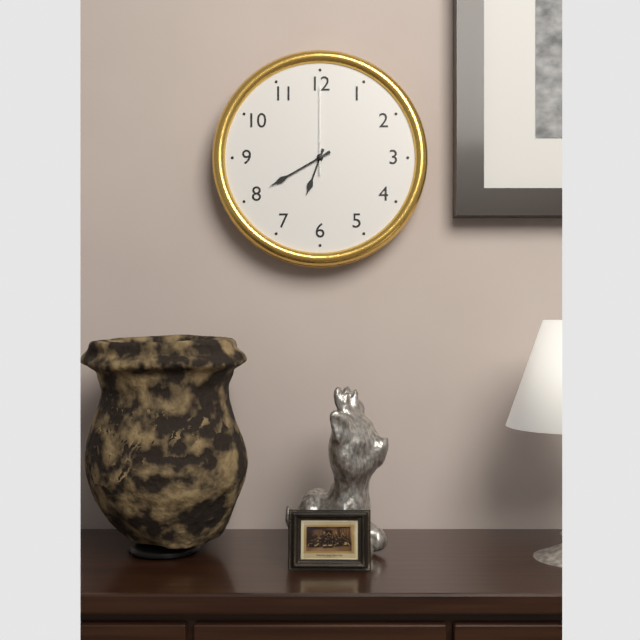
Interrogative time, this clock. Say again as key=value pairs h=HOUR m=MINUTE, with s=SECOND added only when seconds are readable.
h=6 m=40 s=0
